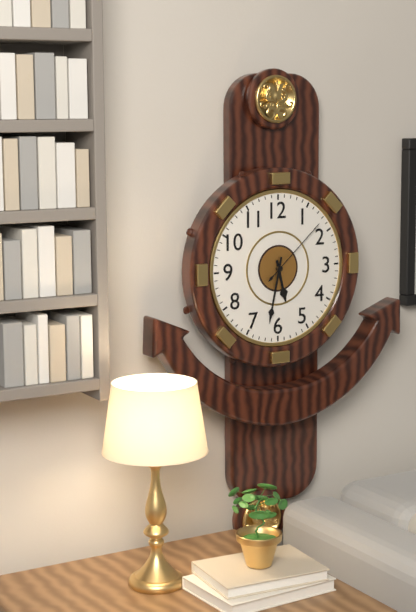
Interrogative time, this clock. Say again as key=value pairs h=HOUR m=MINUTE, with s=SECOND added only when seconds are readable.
h=5 m=32 s=8
